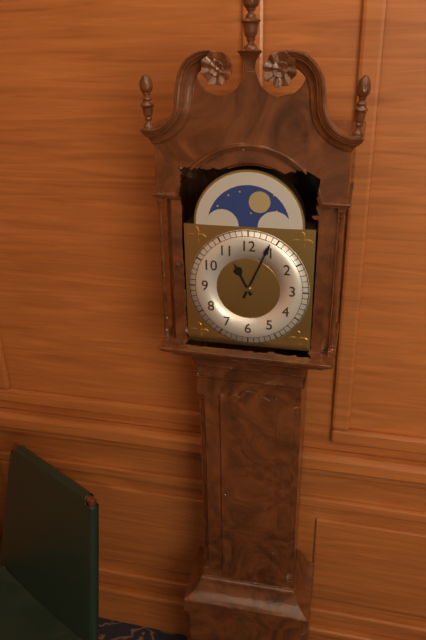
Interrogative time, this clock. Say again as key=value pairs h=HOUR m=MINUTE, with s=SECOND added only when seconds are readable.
h=11 m=4
